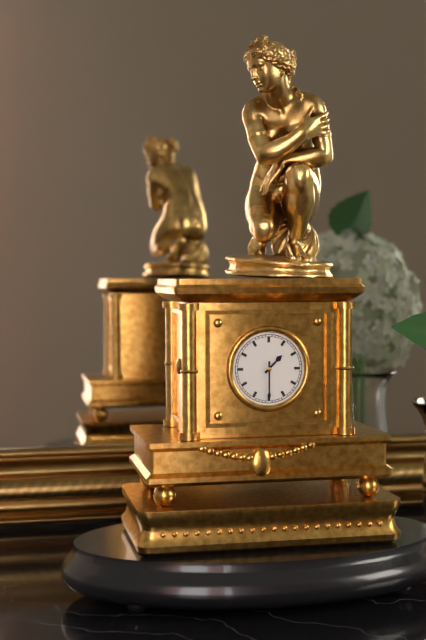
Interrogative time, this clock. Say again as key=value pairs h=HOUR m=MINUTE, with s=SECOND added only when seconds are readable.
h=1 m=30
